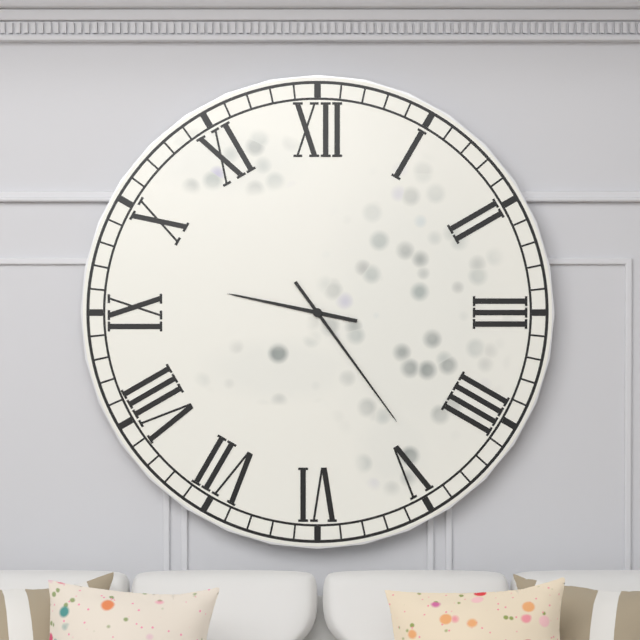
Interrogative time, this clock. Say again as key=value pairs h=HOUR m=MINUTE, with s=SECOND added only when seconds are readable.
h=9 m=24
